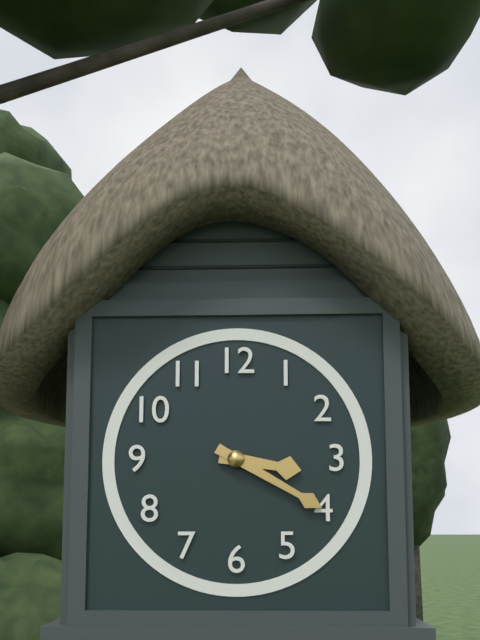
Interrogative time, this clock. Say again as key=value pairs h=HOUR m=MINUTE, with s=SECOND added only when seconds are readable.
h=3 m=20
